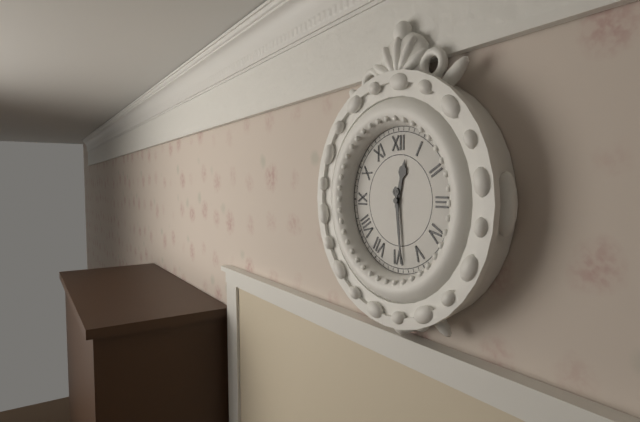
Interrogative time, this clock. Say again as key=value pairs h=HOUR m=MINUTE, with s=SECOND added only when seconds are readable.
h=12 m=29
